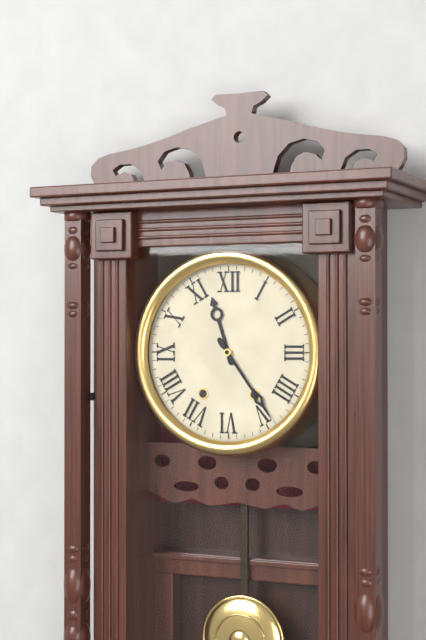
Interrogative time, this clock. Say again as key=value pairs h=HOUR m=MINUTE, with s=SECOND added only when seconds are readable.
h=11 m=24
